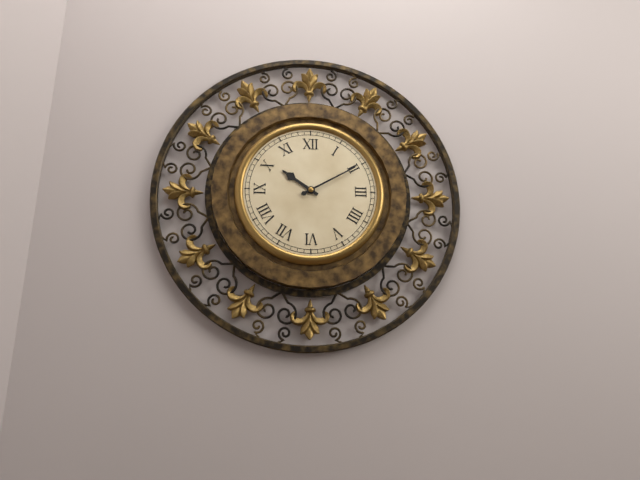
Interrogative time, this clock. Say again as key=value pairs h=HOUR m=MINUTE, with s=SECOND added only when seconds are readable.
h=10 m=10
